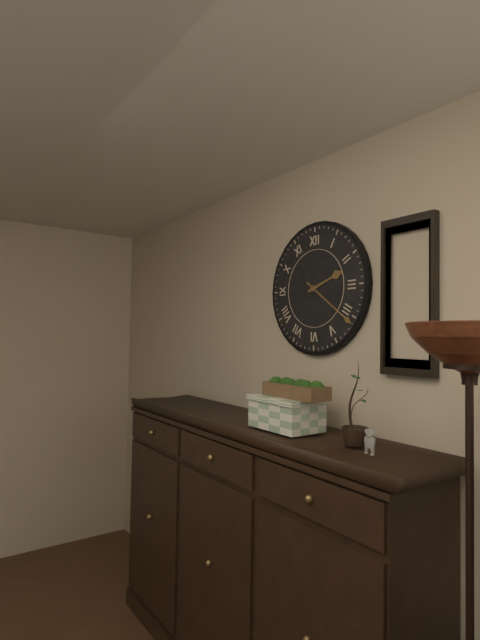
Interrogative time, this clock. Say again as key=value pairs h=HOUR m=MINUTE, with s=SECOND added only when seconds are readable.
h=2 m=21
